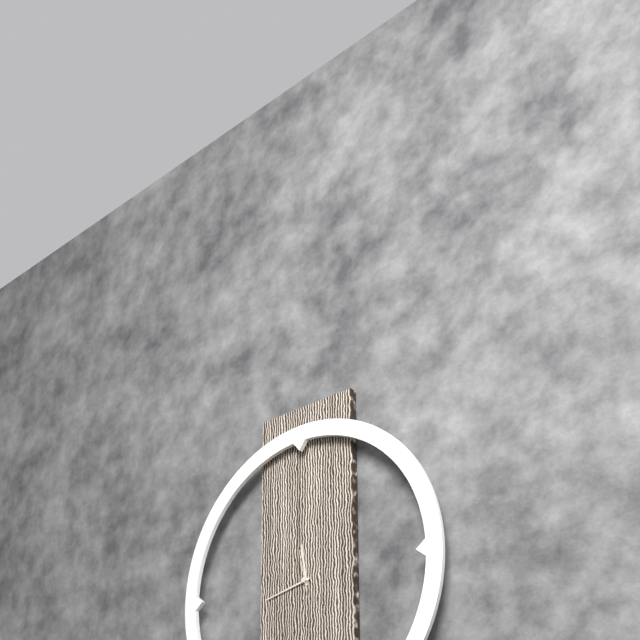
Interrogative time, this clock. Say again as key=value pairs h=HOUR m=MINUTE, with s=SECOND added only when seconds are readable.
h=11 m=43
